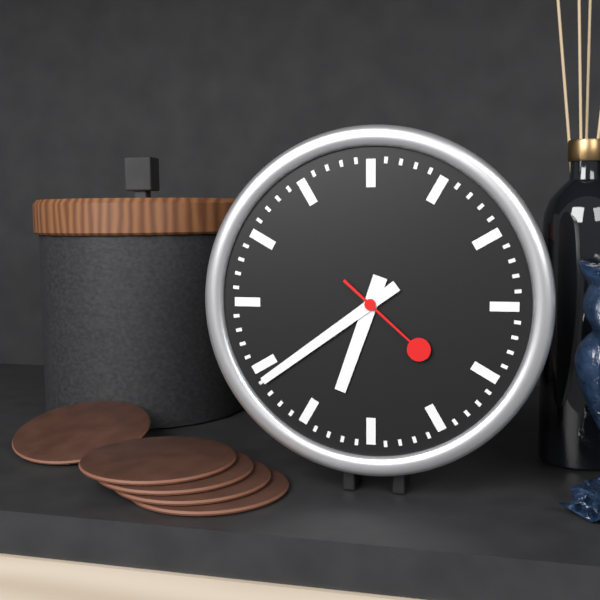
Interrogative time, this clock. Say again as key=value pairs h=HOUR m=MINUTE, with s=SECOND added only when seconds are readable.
h=6 m=39 s=22
